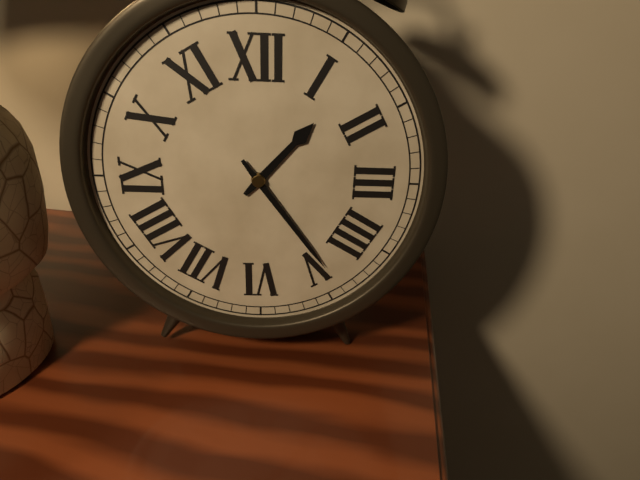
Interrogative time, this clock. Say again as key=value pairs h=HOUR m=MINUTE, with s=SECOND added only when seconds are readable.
h=1 m=24
